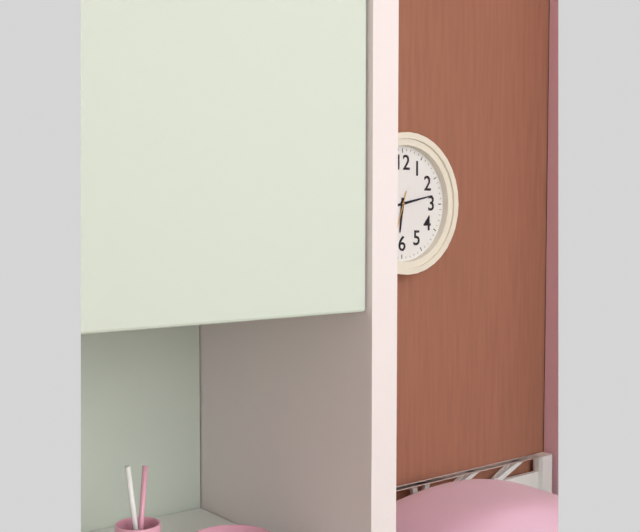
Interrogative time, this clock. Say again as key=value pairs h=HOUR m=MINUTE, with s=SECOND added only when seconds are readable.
h=6 m=13
